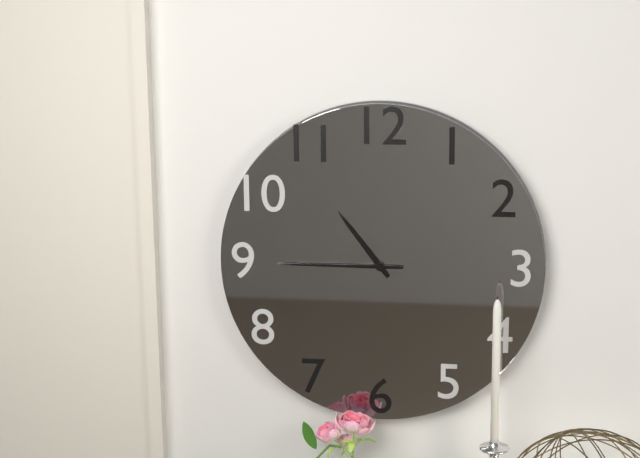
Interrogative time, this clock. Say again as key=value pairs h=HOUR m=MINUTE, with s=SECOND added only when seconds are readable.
h=10 m=45
